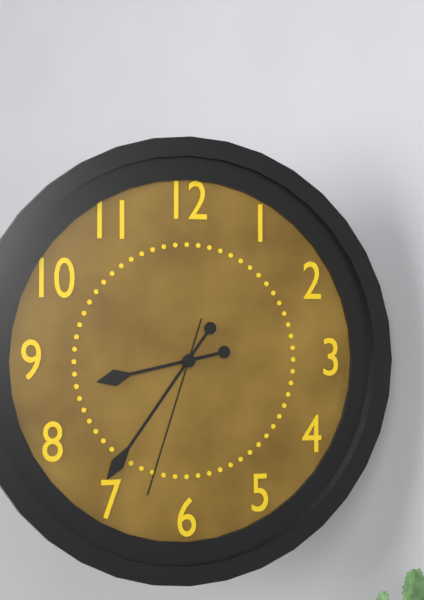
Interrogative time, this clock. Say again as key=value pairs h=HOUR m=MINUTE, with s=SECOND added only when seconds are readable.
h=8 m=36 s=33
